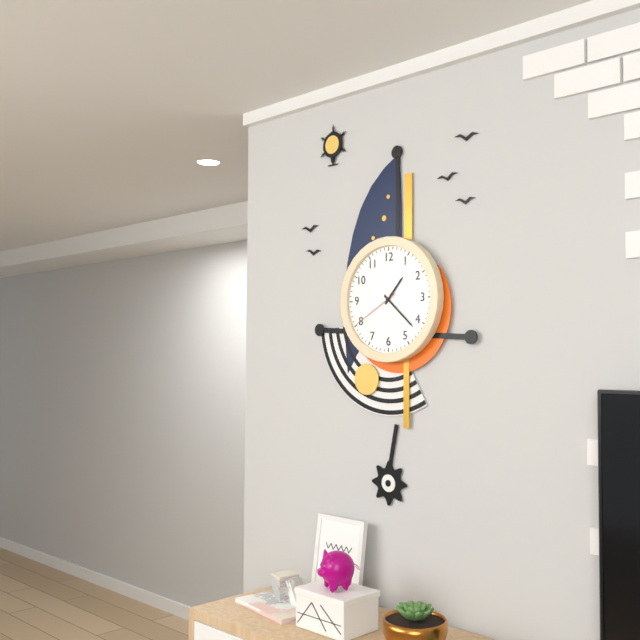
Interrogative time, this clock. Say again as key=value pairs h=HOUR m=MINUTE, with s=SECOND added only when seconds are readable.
h=1 m=22
